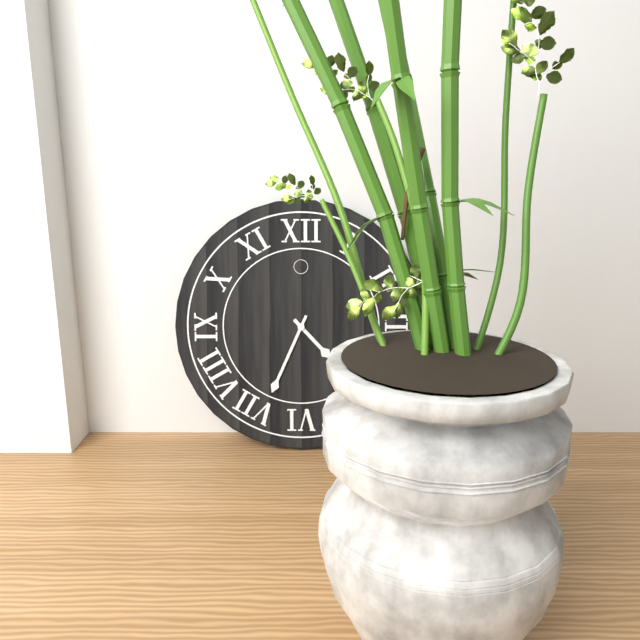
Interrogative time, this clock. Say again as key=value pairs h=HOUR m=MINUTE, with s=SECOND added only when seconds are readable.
h=4 m=34
